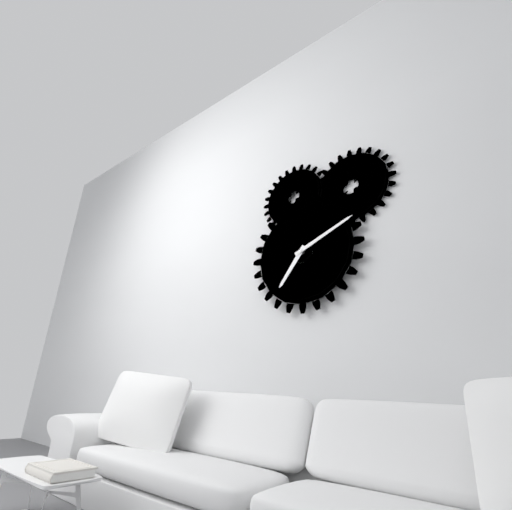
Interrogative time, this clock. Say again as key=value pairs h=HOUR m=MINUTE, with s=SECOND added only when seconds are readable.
h=7 m=11
